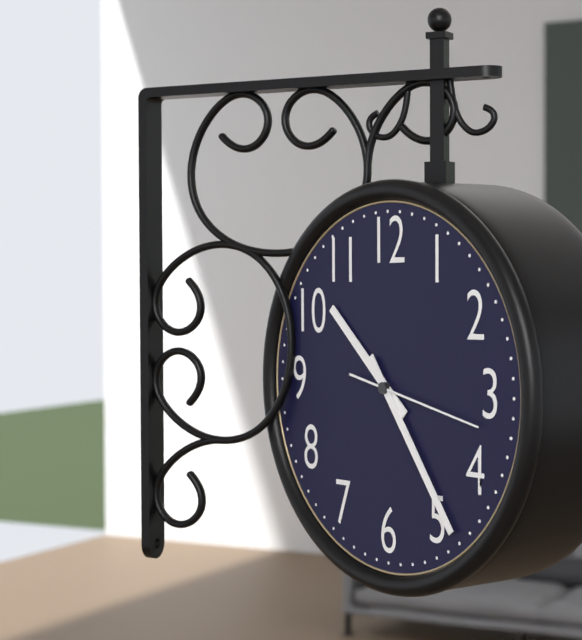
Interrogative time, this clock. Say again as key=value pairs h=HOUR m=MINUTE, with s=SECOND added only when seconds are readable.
h=10 m=24 s=17
